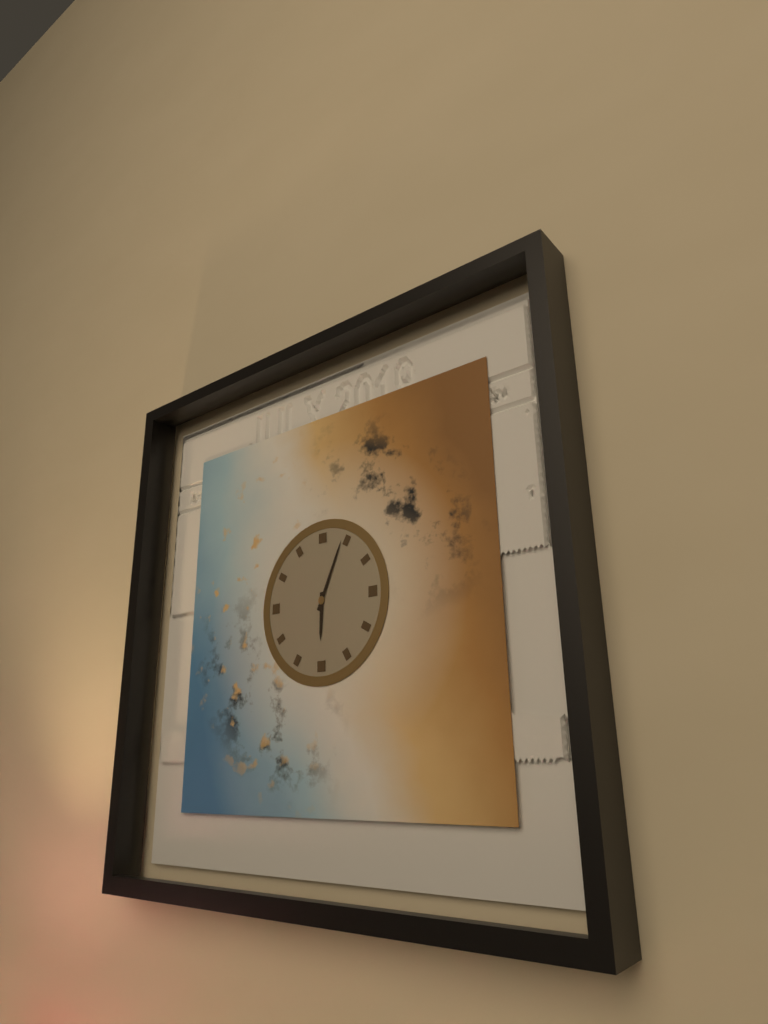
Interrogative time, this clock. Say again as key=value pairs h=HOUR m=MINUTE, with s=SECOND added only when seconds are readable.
h=6 m=4
